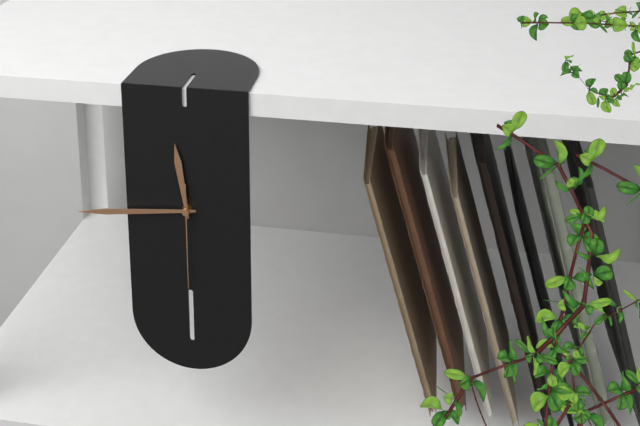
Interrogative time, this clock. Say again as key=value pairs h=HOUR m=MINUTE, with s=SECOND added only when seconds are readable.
h=11 m=44 s=30
